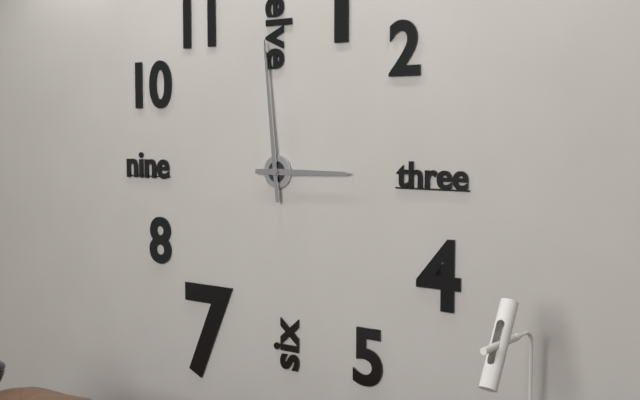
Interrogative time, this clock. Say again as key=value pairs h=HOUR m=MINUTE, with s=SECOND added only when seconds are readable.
h=2 m=59
